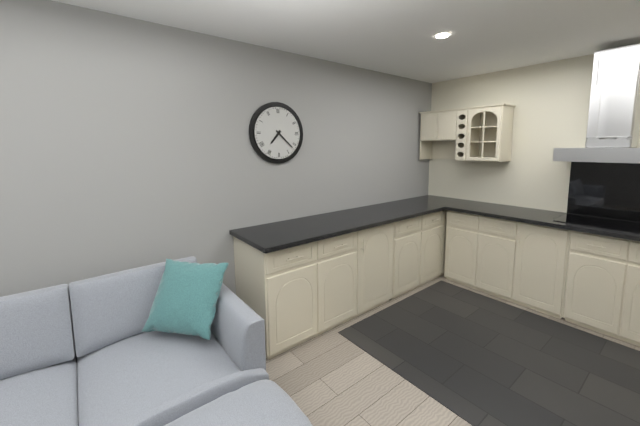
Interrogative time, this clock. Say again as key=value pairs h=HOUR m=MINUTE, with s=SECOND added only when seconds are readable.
h=7 m=22
